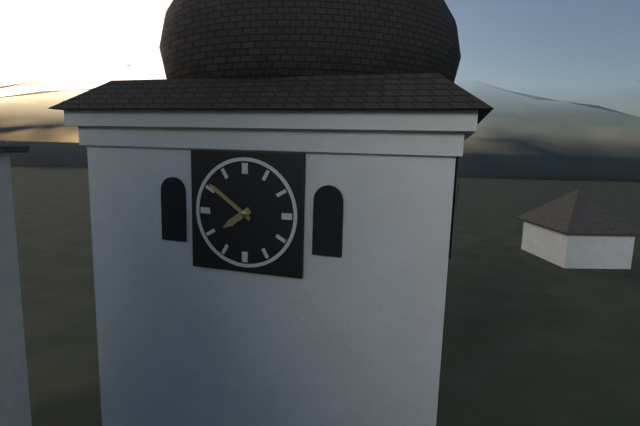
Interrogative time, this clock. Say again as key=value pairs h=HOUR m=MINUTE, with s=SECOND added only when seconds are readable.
h=7 m=51
